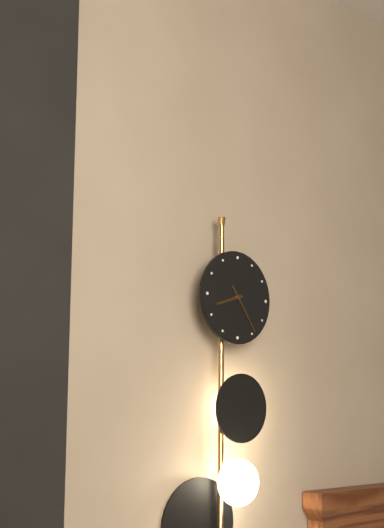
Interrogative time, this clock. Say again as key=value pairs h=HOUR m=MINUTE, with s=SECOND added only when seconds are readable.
h=8 m=24
